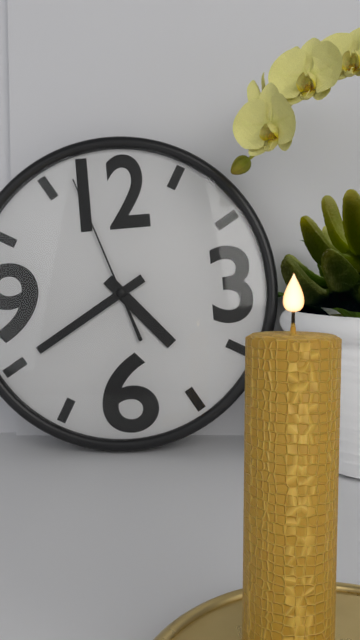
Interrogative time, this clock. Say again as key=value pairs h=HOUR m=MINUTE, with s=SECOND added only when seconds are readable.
h=4 m=40 s=57
